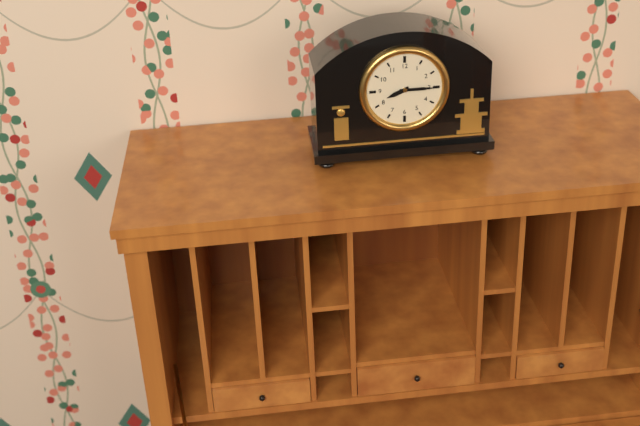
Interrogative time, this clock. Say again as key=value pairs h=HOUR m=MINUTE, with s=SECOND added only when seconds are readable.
h=8 m=15
